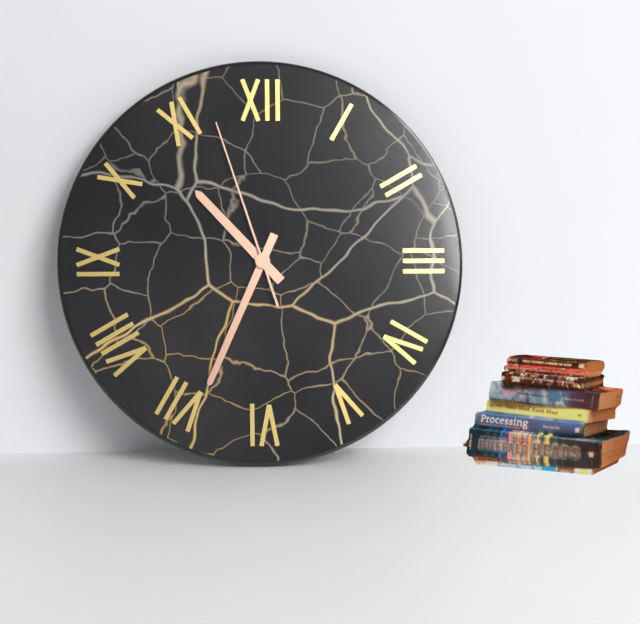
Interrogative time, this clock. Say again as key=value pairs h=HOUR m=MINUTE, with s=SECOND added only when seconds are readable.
h=10 m=34 s=57
